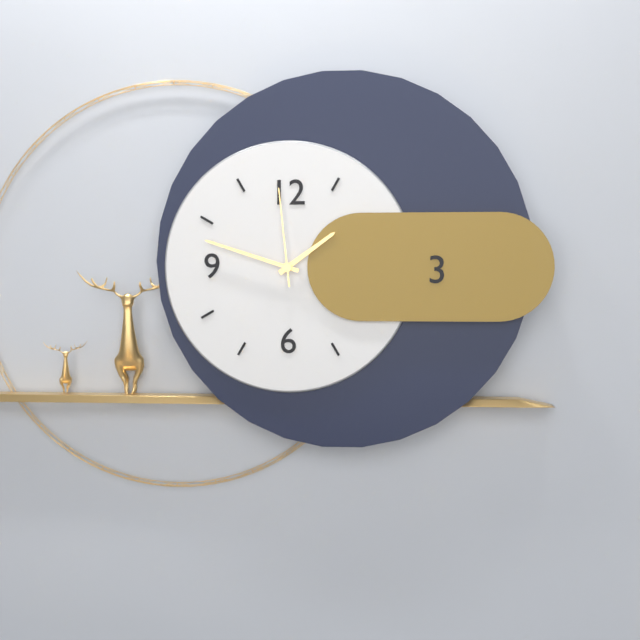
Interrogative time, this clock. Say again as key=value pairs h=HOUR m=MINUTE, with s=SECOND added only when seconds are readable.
h=1 m=48 s=59
